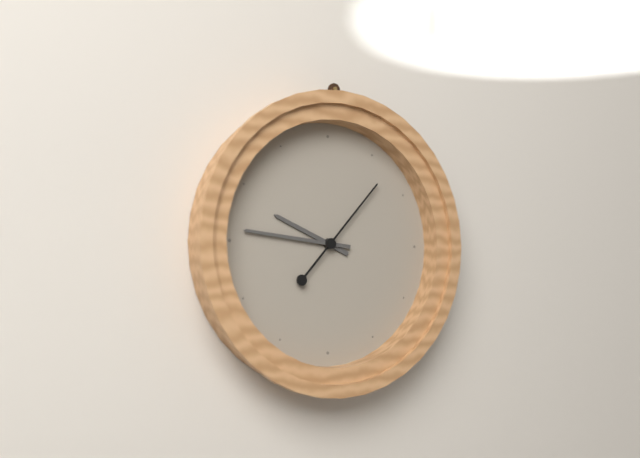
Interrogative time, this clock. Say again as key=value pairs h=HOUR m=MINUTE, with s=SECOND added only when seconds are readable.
h=9 m=46 s=7
